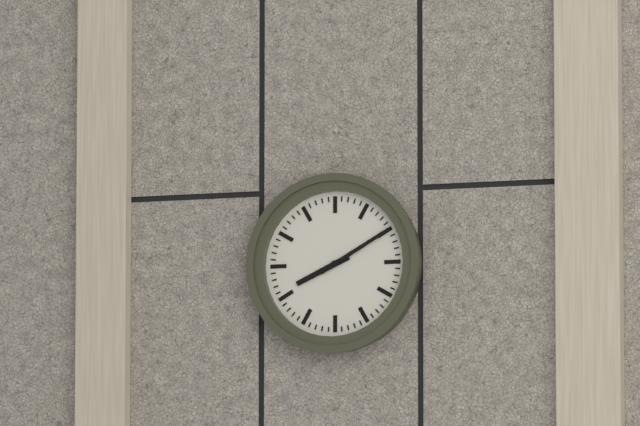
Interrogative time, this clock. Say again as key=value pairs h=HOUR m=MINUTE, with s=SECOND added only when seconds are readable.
h=8 m=10
